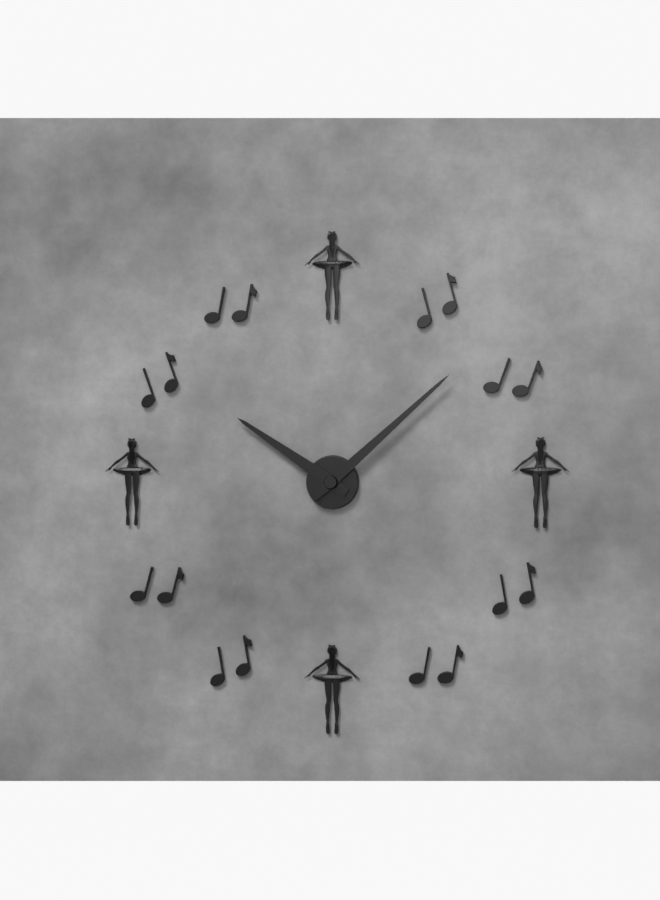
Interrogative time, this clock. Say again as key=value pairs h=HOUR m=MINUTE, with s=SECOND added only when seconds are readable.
h=10 m=8
